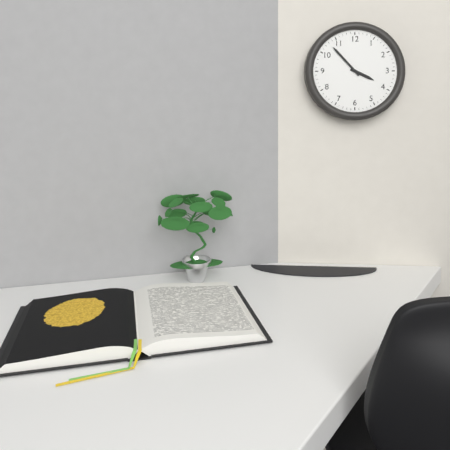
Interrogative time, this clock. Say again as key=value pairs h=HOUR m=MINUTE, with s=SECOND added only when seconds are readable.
h=3 m=53
